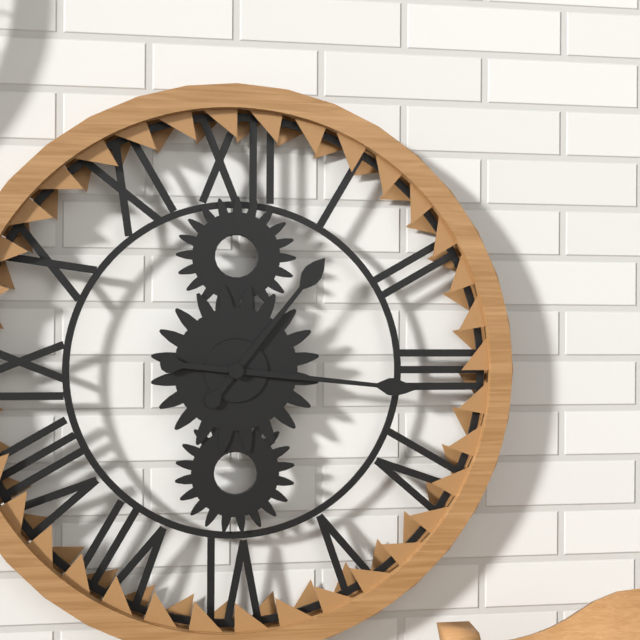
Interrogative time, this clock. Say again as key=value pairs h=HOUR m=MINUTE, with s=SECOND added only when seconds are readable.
h=1 m=16
